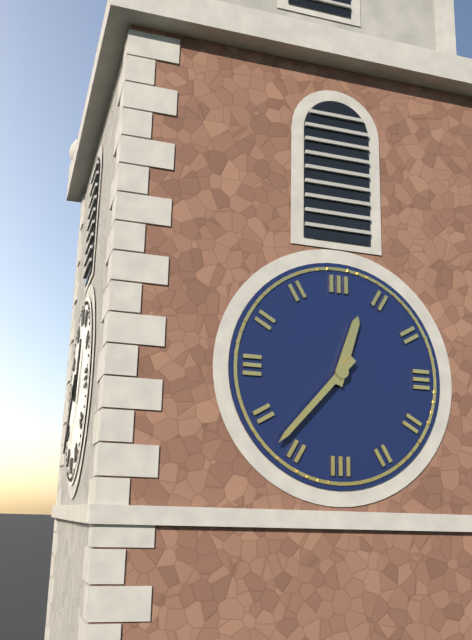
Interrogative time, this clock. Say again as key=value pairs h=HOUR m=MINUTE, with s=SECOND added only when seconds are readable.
h=12 m=37
